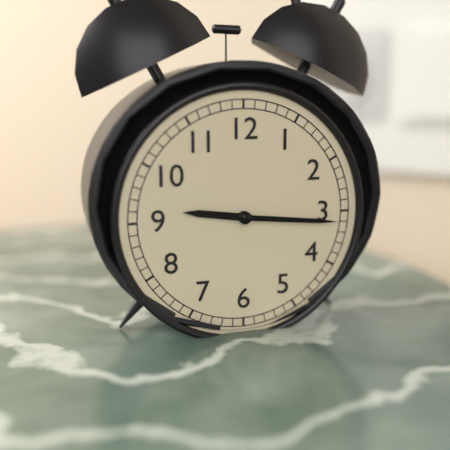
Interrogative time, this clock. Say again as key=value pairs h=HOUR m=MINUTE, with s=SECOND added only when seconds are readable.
h=9 m=16
